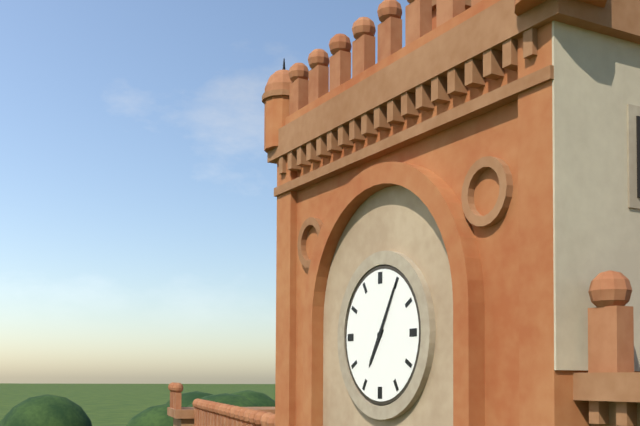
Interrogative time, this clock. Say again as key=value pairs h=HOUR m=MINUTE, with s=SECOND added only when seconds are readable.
h=7 m=5
